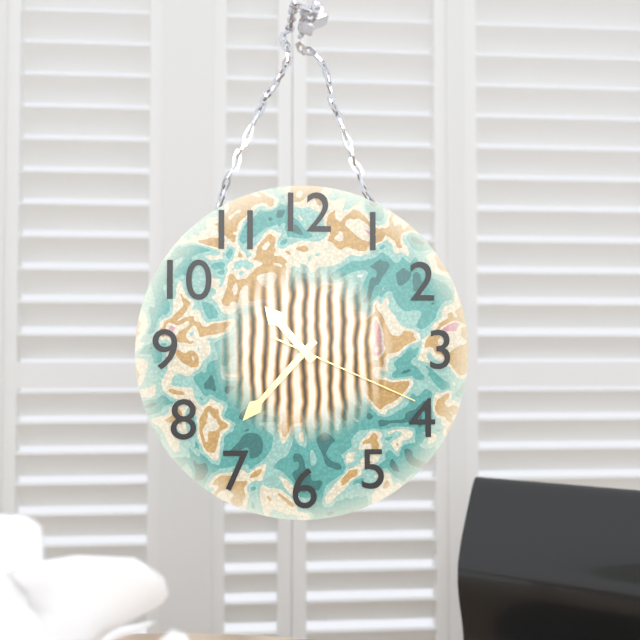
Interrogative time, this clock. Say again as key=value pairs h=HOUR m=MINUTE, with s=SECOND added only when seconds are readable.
h=10 m=37 s=19
